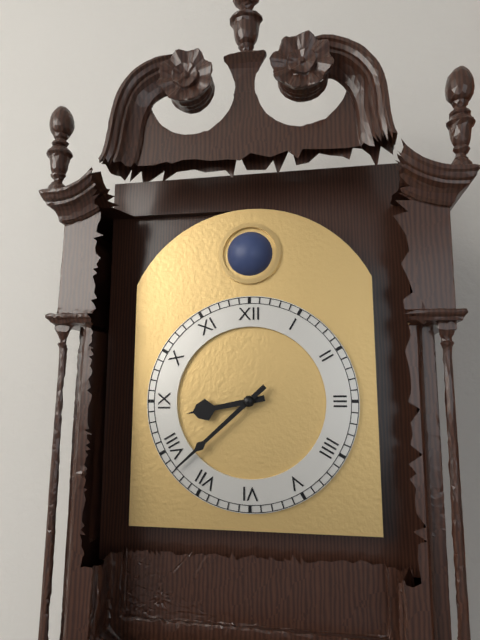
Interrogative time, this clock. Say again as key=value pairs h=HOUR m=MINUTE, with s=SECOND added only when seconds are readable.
h=8 m=38
